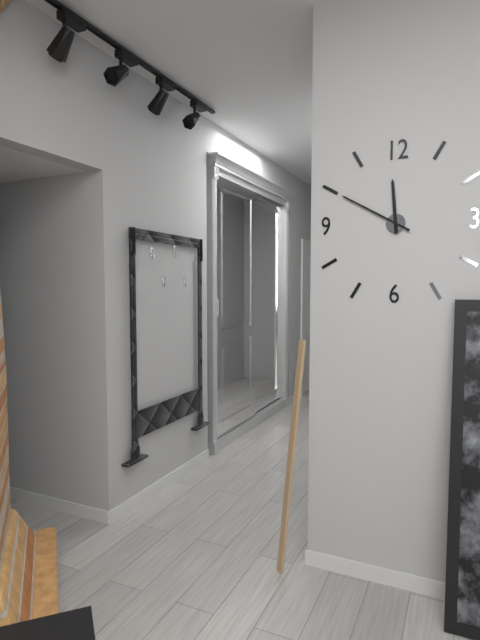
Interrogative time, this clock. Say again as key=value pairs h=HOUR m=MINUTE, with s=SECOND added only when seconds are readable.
h=11 m=50
